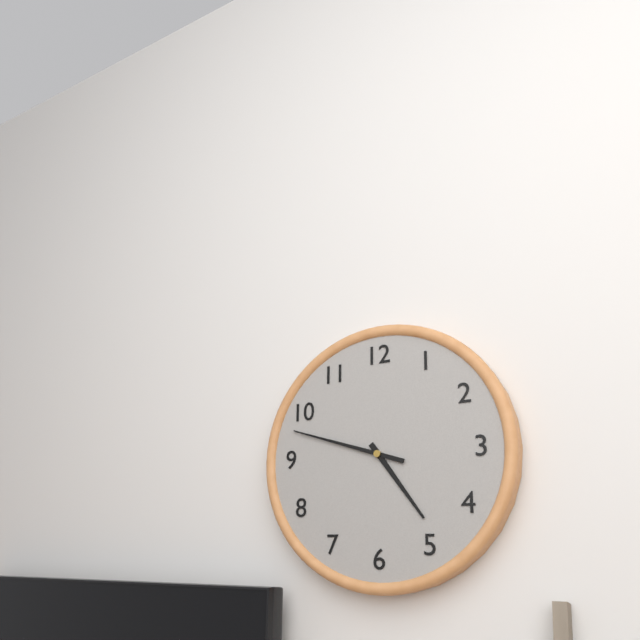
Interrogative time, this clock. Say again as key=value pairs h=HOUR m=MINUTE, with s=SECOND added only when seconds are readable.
h=4 m=48
